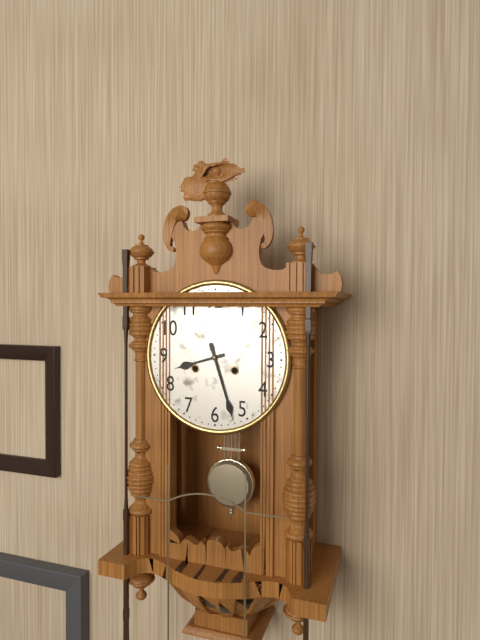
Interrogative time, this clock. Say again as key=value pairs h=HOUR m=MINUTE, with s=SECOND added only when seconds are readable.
h=8 m=27
